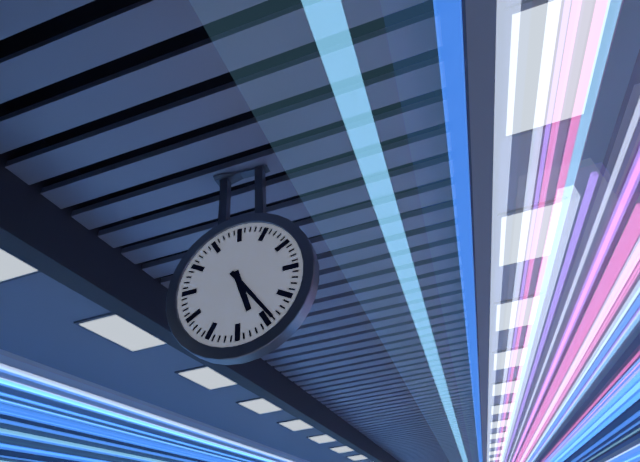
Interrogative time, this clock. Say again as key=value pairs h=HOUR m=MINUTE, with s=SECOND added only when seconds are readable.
h=5 m=24
